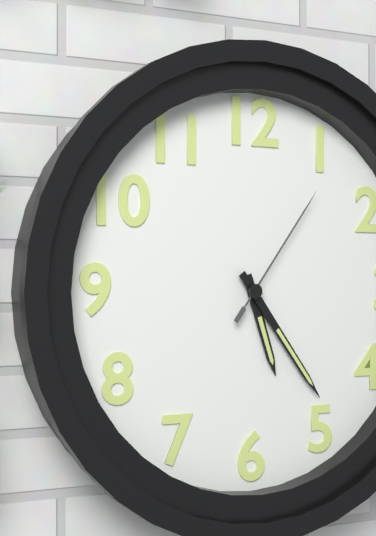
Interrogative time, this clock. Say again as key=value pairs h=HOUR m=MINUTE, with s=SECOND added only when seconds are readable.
h=5 m=24 s=6
